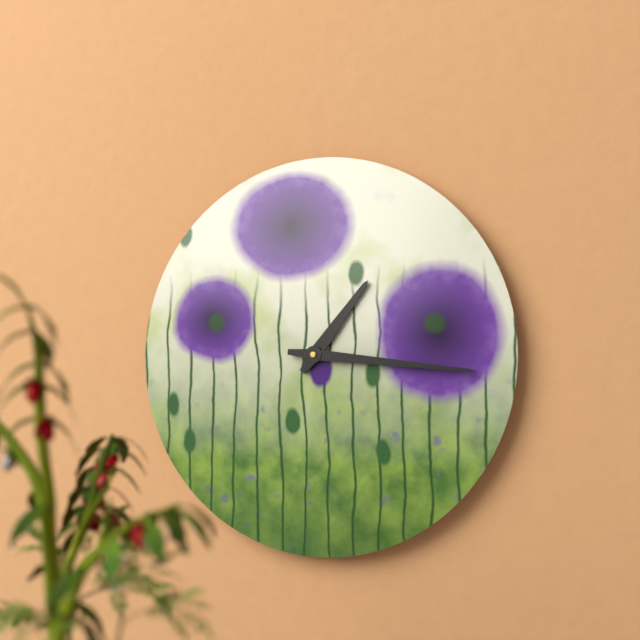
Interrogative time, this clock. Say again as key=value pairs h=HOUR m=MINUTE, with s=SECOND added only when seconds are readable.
h=1 m=16
